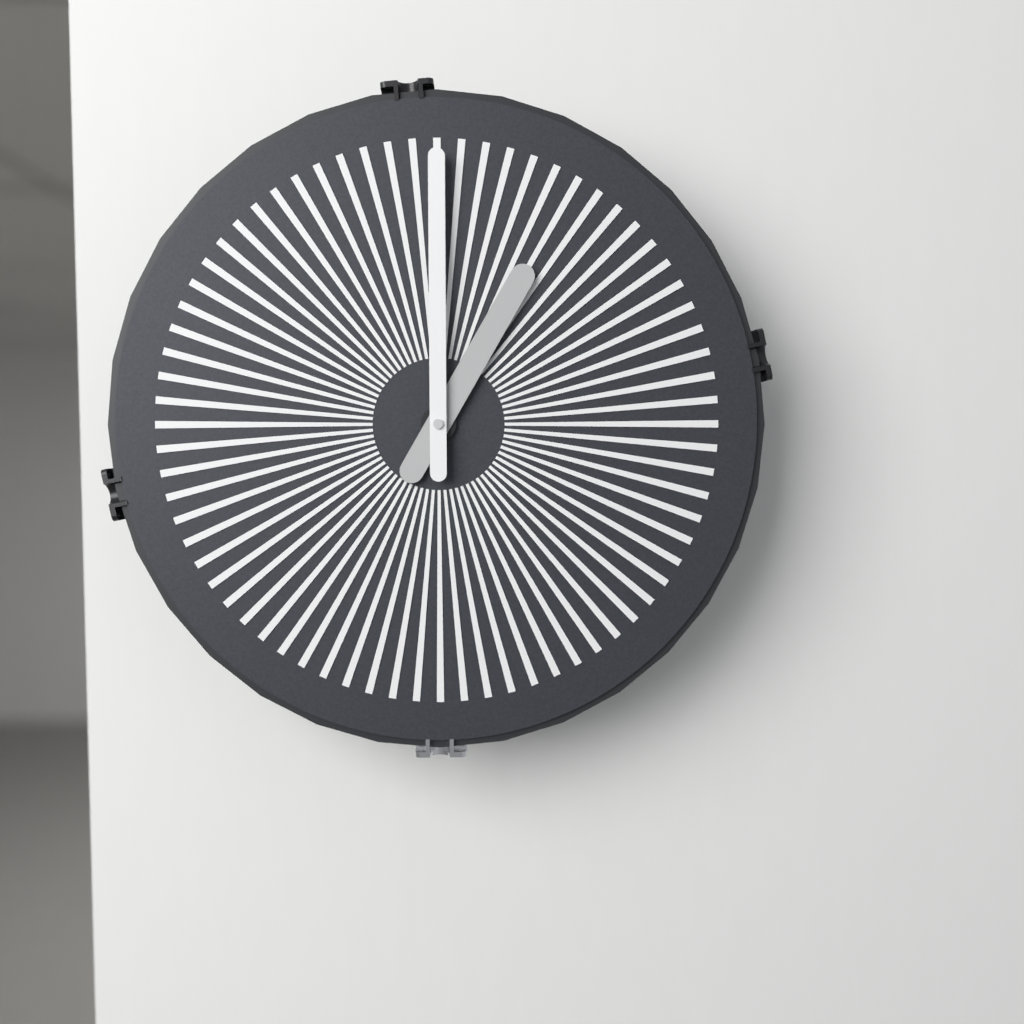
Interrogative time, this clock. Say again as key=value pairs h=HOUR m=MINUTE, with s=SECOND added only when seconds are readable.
h=1 m=0
